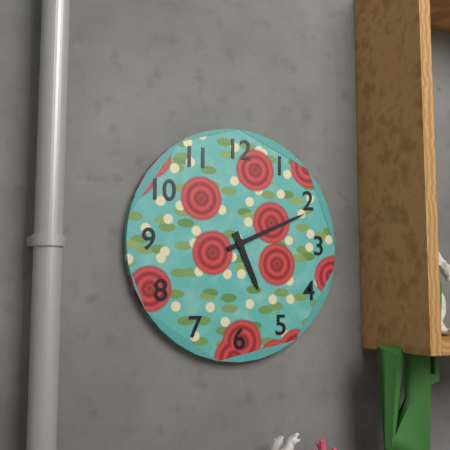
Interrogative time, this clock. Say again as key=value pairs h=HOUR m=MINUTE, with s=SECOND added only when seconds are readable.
h=5 m=11
